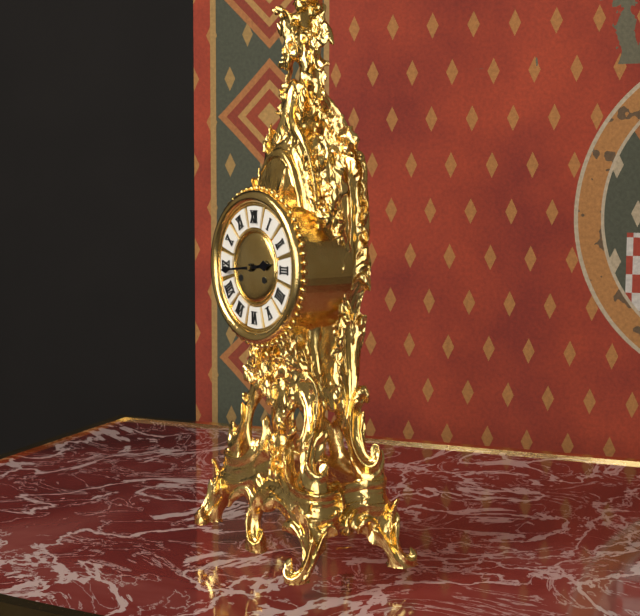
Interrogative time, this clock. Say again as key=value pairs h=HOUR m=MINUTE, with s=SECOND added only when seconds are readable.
h=2 m=44
